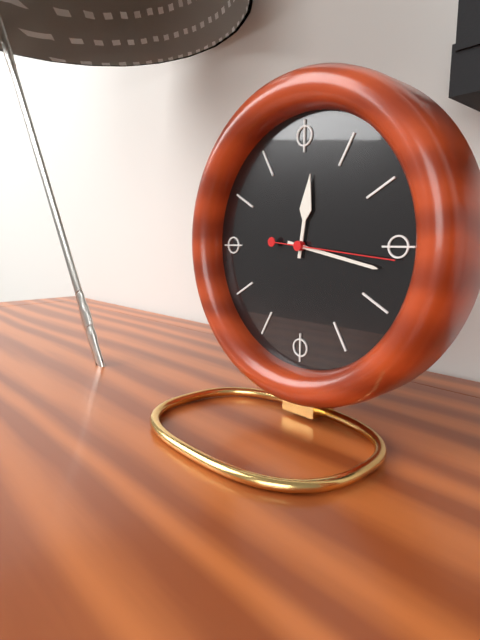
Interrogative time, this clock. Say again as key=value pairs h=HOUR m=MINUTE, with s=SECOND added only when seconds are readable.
h=12 m=17 s=16
